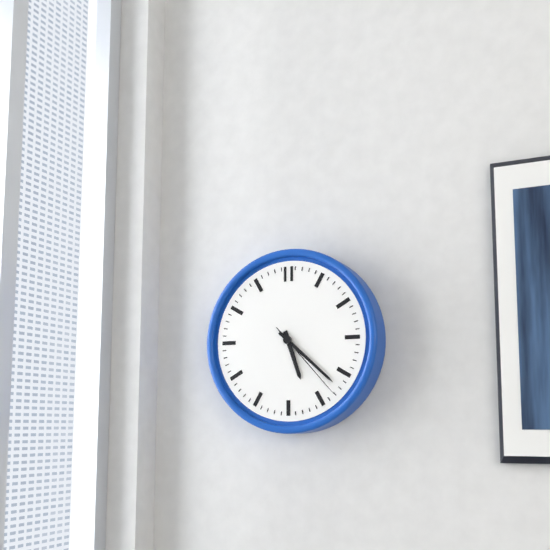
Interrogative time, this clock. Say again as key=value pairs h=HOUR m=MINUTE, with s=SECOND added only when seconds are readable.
h=5 m=22 s=23
